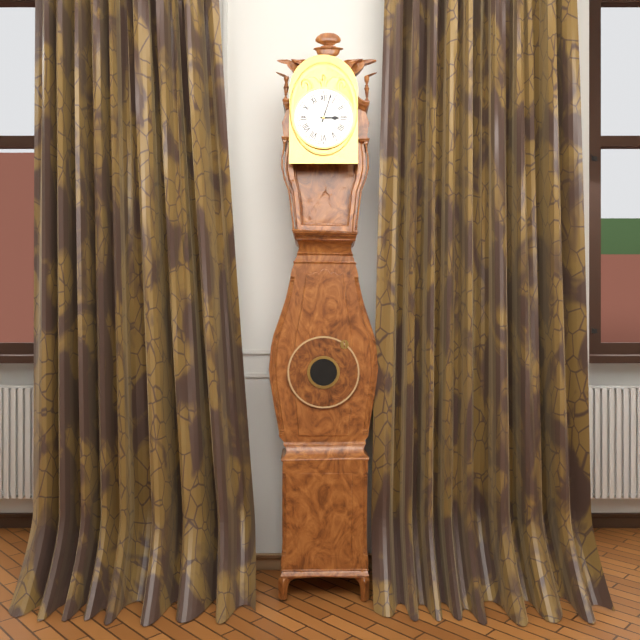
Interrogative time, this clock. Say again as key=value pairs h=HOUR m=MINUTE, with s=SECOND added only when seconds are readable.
h=3 m=3
